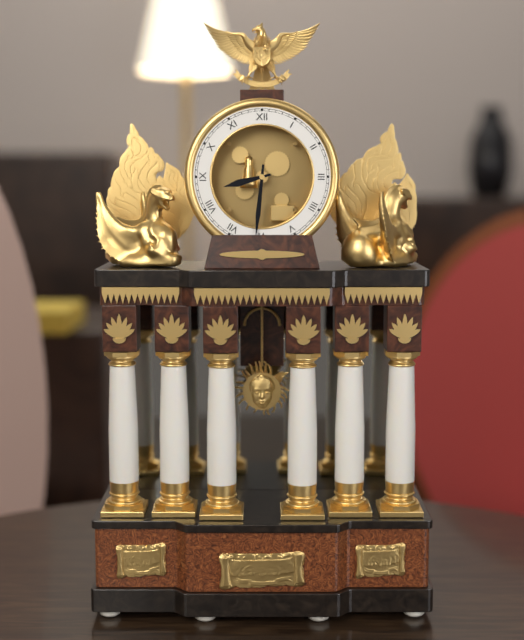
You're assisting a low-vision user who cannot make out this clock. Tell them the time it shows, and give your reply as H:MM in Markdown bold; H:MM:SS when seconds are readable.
**8:31**
